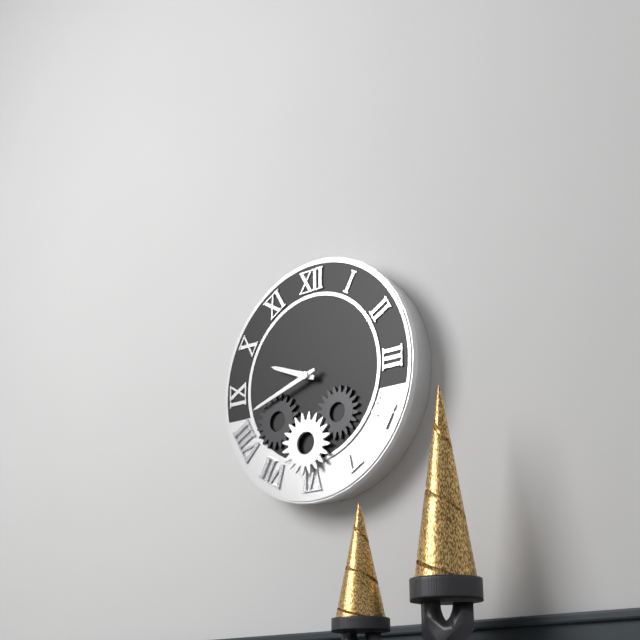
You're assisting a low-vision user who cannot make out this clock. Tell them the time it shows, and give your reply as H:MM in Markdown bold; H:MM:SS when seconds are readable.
**9:42**
